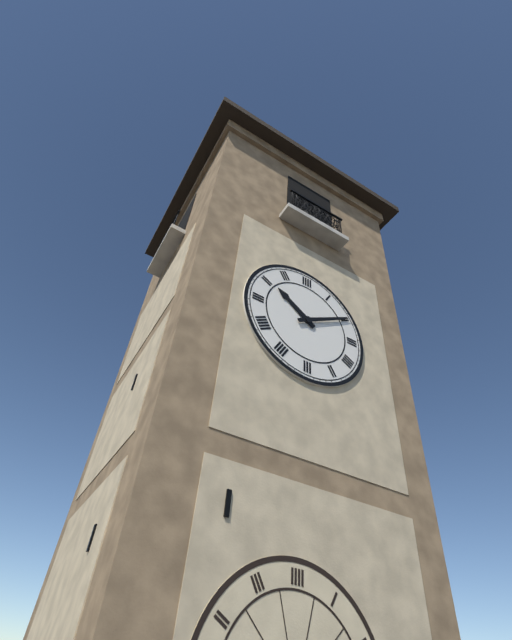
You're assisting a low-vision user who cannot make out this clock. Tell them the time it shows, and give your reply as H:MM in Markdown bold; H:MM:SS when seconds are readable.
**10:10**
